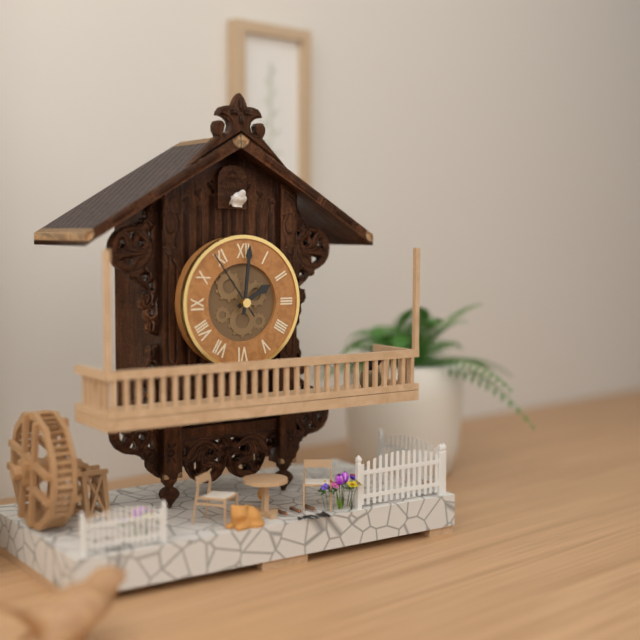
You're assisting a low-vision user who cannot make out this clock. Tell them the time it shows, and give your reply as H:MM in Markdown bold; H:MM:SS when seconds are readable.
**2:01:54**
